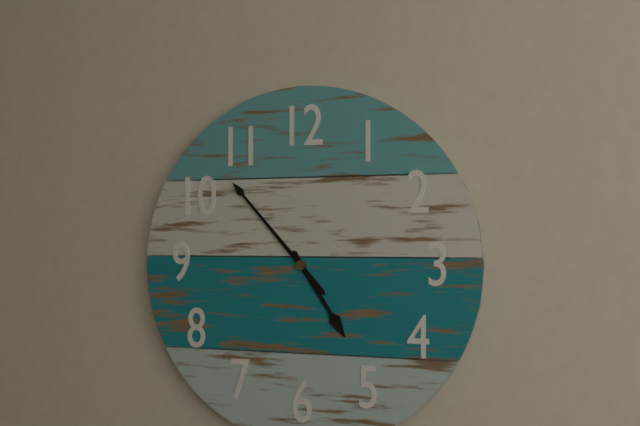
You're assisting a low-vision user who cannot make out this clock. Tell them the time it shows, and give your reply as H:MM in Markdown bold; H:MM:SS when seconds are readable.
**4:53**
